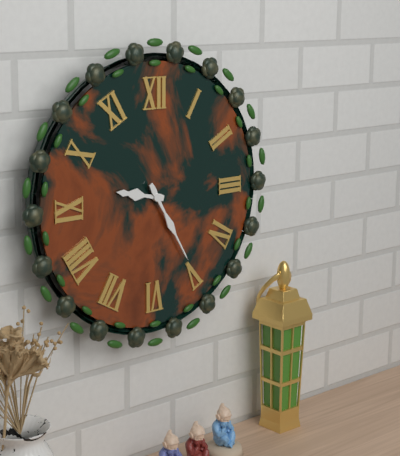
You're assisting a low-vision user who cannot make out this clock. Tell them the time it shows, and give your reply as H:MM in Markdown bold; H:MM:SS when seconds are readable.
**9:25**
